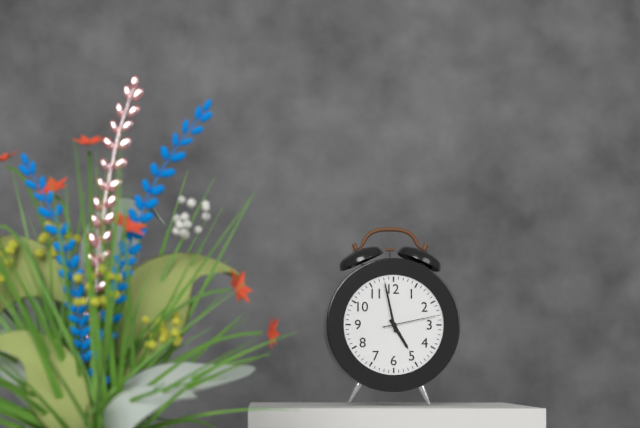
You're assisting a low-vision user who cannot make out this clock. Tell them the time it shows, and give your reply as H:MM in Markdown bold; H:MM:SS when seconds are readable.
**4:58:13**
